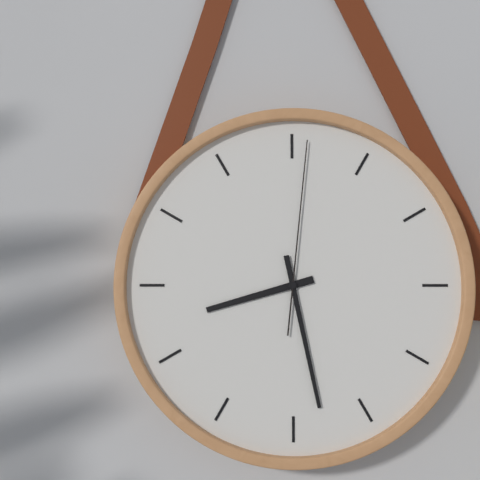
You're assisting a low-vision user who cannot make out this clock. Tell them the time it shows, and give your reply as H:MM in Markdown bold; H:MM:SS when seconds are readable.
**8:28:01**
